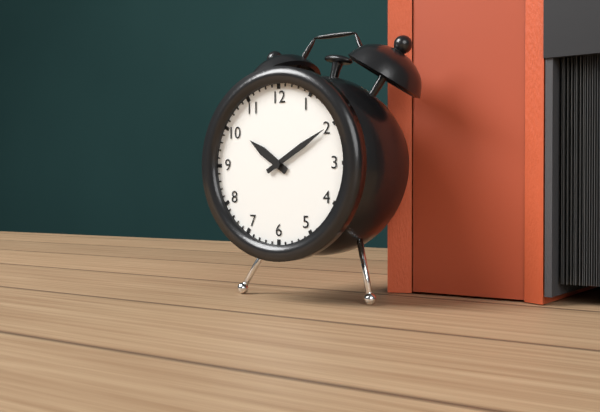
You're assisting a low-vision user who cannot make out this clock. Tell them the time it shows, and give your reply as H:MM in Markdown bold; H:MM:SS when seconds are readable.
**10:10**
